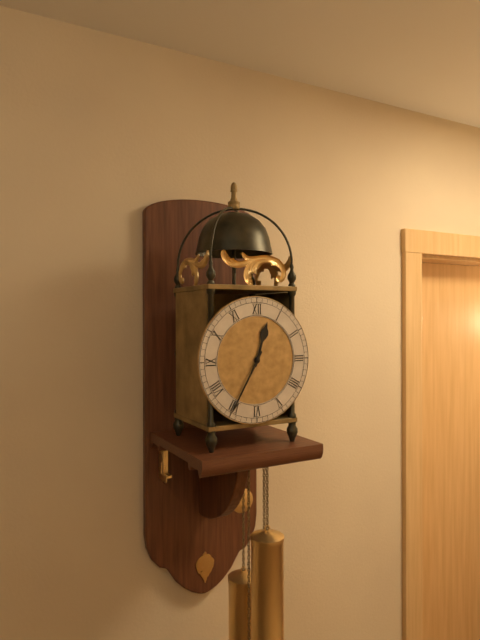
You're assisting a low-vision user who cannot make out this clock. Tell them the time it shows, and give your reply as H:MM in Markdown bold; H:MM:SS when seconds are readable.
**12:35**
